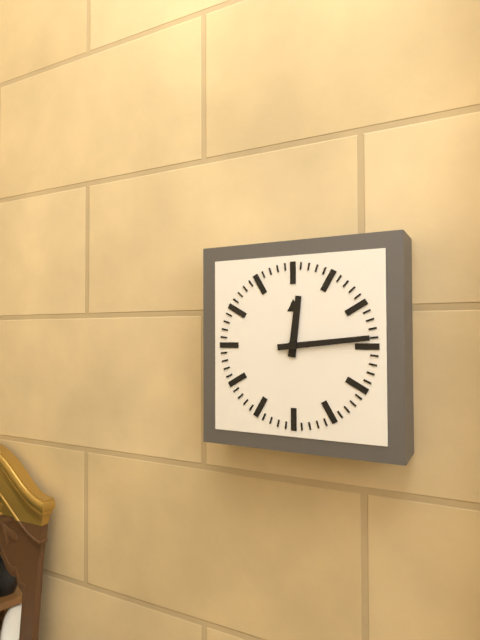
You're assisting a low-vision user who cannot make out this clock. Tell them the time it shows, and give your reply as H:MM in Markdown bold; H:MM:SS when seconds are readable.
**12:14**
